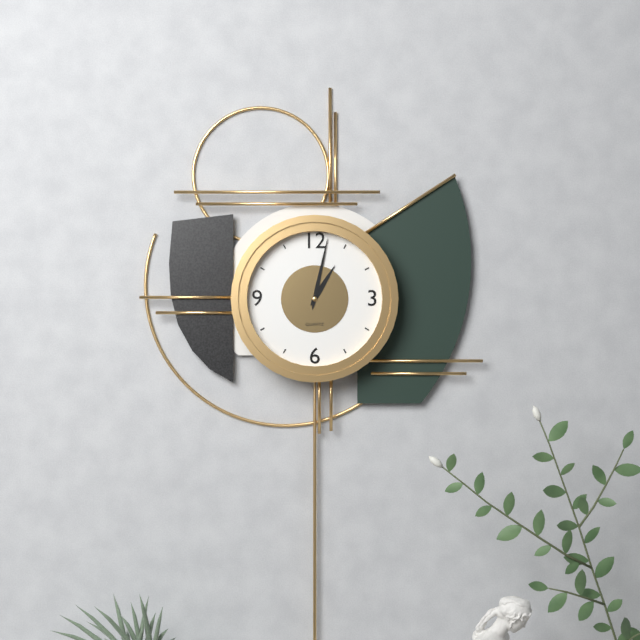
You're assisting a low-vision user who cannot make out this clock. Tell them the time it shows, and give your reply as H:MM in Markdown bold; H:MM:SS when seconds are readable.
**1:02**
